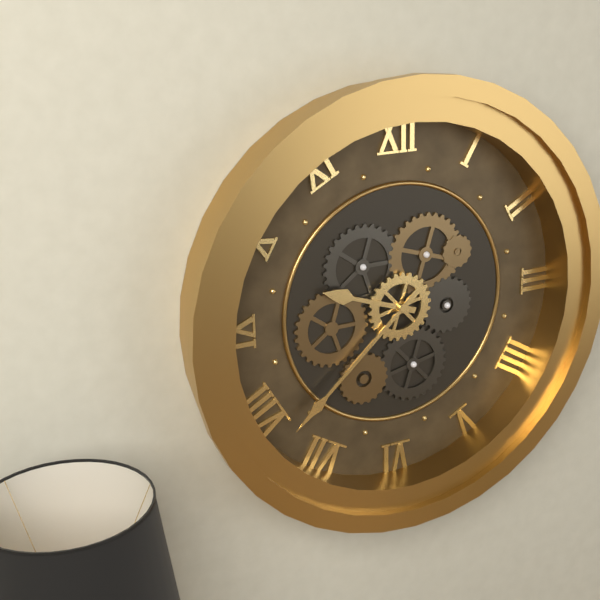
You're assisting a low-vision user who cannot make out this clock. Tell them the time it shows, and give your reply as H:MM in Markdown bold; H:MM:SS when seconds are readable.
**9:38**
